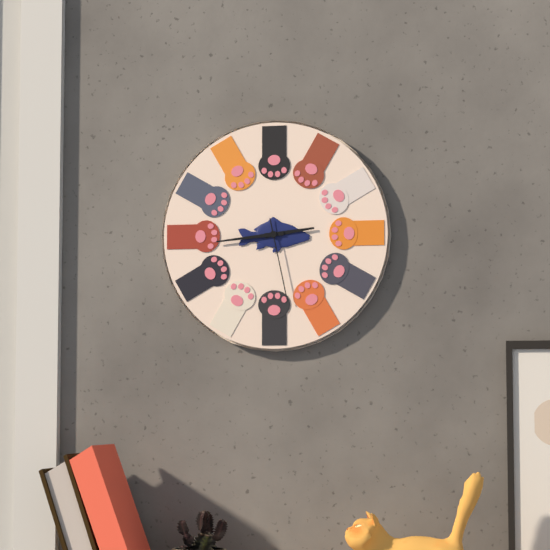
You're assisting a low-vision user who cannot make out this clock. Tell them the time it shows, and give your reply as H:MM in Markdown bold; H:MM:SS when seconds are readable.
**2:44:28**
